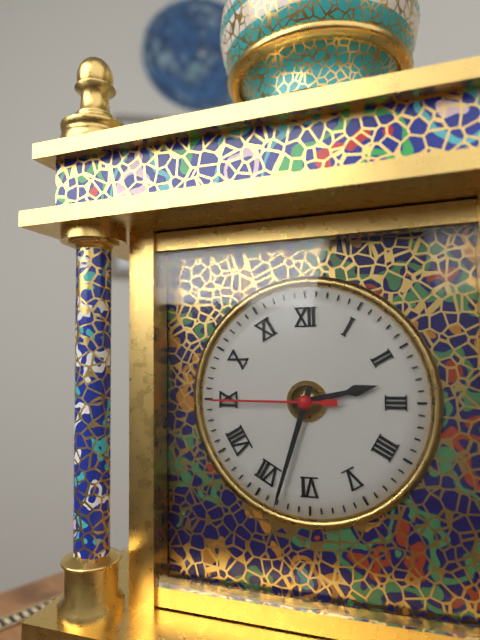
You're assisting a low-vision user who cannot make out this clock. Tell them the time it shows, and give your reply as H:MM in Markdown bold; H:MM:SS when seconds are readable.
**2:33:45**
